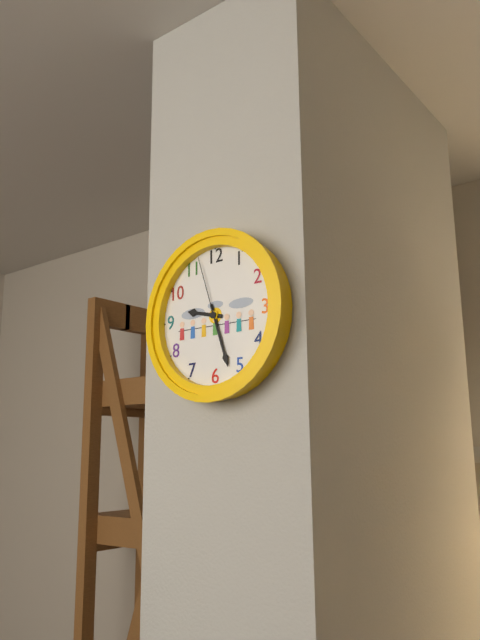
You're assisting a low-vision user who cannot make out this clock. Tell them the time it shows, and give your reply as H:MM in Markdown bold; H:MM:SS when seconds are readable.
**9:27:57**
